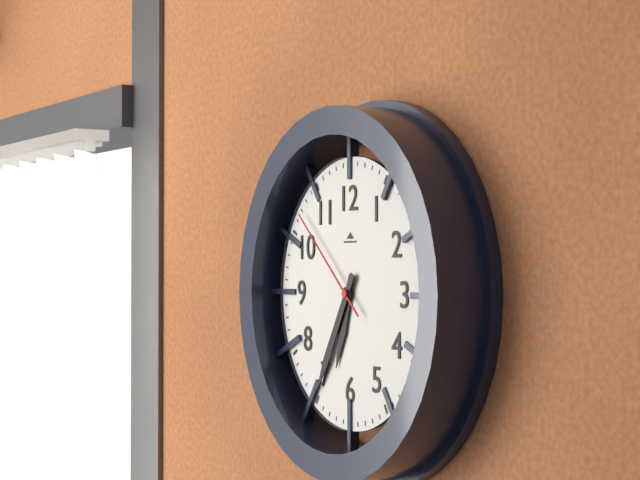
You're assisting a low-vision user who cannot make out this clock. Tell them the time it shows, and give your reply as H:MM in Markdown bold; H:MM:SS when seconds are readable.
**6:35:52**
